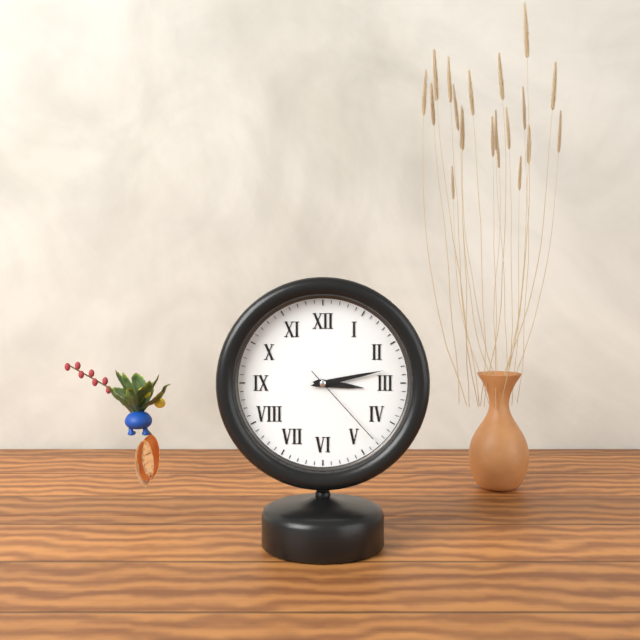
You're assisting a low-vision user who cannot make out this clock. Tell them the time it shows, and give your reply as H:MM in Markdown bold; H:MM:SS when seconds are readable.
**3:13:23**
